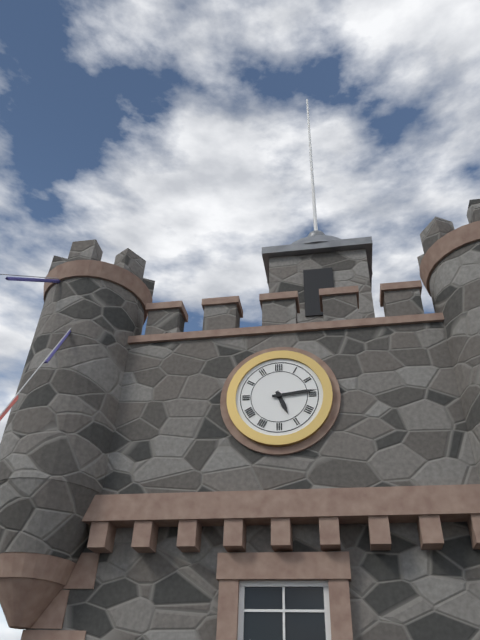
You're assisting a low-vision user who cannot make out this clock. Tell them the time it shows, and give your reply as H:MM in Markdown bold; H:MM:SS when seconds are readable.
**5:14**
